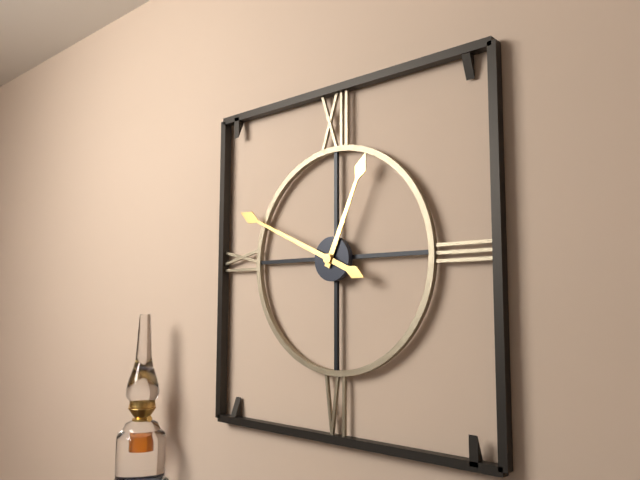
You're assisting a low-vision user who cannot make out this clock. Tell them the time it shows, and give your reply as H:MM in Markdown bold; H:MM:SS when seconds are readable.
**12:49**
